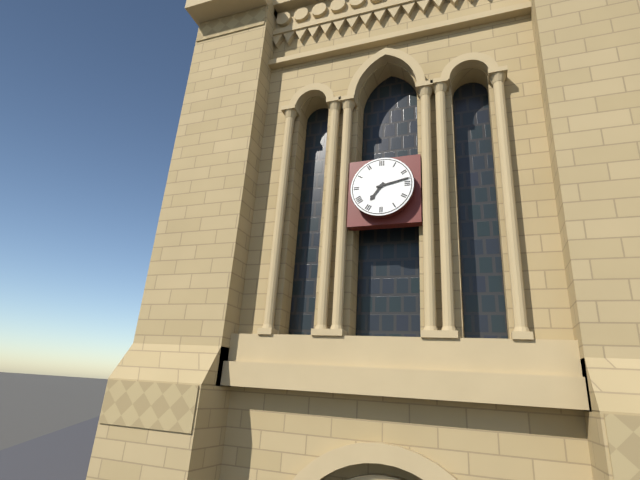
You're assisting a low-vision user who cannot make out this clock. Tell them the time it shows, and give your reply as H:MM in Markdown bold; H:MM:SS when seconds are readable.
**7:13**
